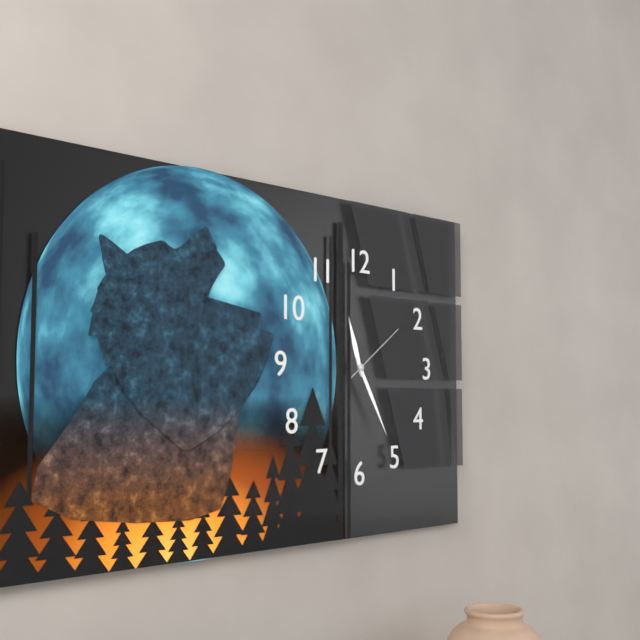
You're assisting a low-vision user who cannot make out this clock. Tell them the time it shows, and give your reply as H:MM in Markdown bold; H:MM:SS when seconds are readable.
**11:25:09**
